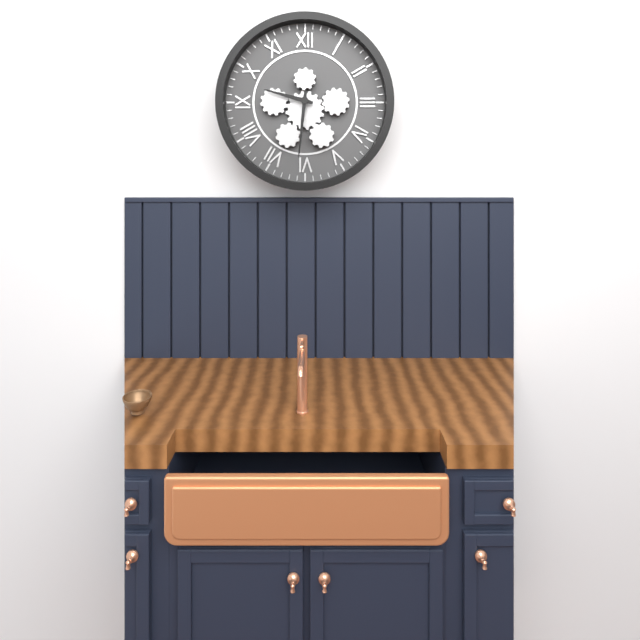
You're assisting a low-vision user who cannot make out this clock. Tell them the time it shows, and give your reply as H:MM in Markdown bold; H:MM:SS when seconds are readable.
**9:31**
